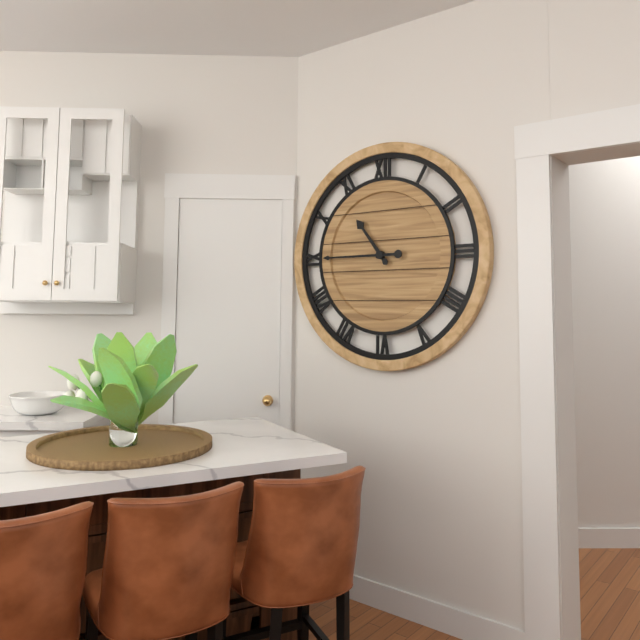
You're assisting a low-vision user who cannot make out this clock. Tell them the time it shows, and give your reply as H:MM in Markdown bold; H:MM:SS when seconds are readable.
**10:45**
